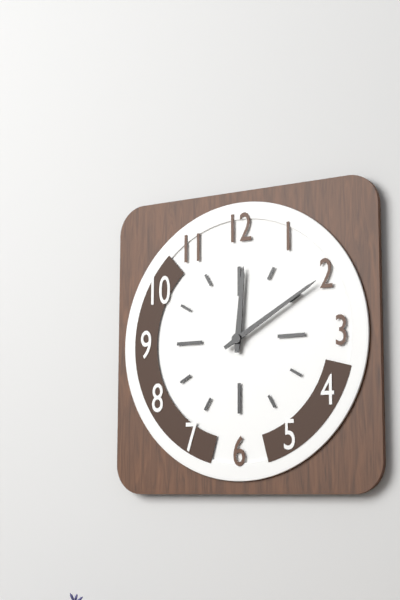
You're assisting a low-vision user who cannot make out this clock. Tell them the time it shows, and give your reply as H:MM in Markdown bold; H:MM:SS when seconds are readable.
**12:10**
